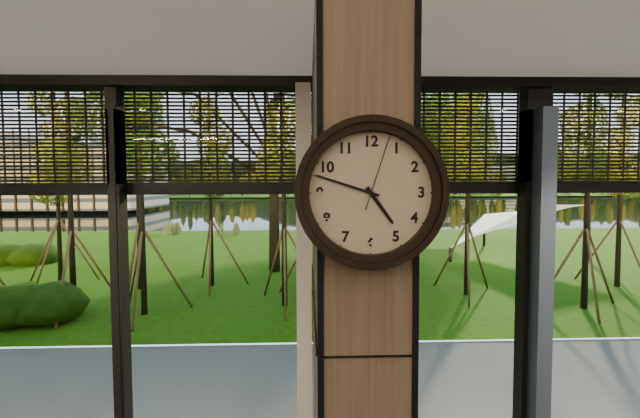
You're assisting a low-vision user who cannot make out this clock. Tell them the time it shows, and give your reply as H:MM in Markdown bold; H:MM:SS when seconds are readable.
**4:48:03**
